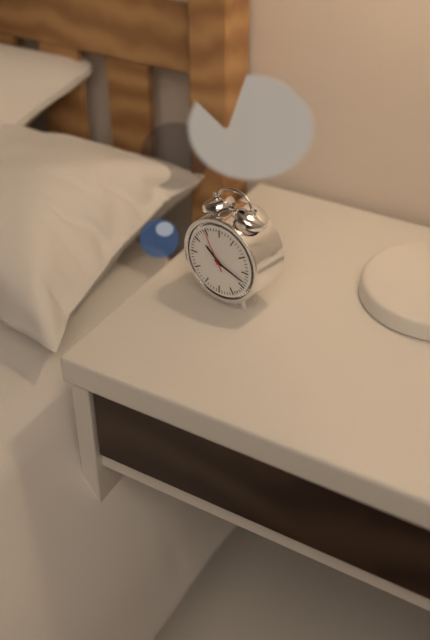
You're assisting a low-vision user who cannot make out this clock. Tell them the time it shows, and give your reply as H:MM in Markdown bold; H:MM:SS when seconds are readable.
**10:18**
